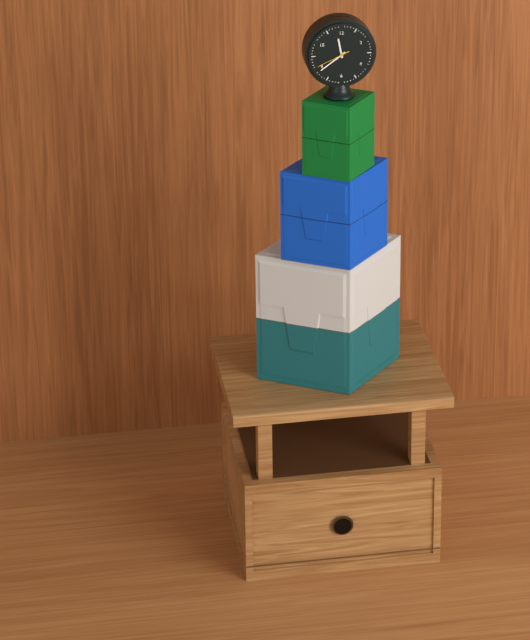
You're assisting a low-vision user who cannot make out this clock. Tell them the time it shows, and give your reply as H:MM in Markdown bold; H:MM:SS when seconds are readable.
**11:39**
